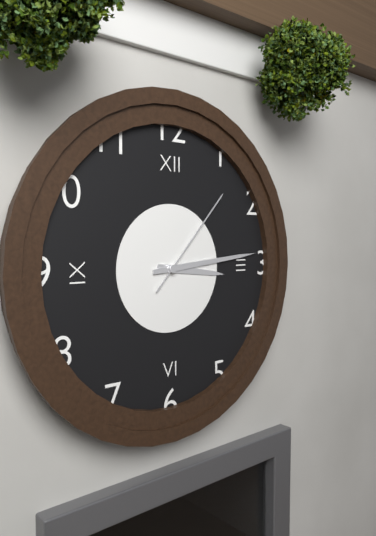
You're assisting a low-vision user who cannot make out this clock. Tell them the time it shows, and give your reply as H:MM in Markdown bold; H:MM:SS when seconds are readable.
**3:14:07**
